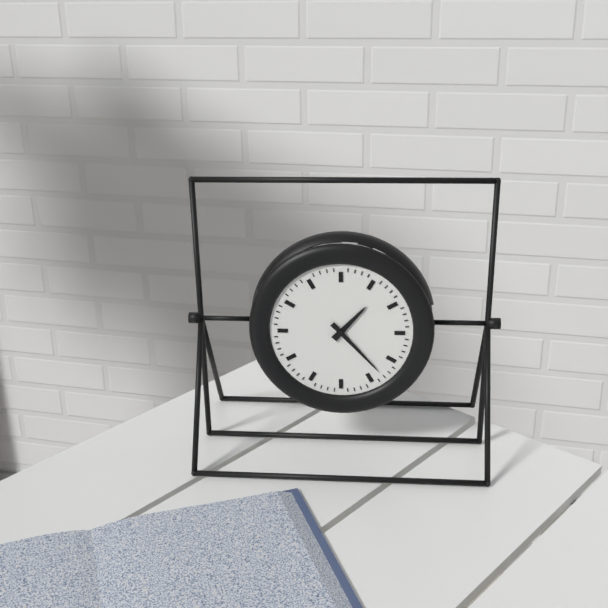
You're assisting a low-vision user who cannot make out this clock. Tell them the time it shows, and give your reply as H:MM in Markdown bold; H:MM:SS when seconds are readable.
**1:23**
